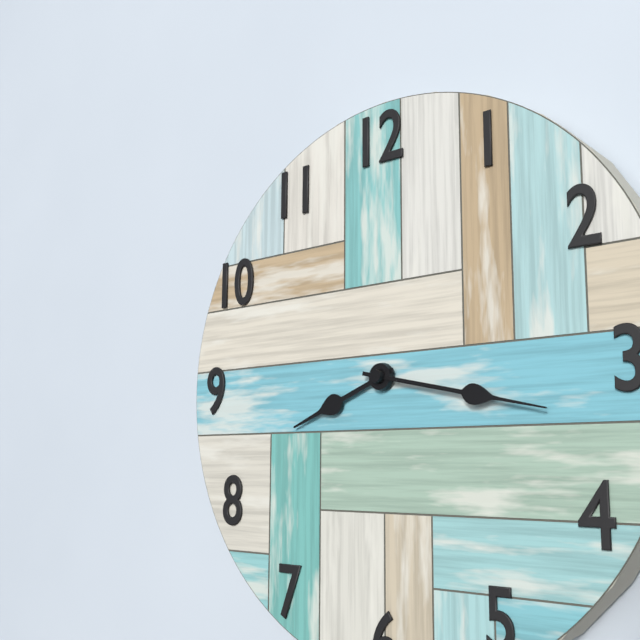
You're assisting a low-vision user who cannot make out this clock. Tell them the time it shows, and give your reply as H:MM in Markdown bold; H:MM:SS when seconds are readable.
**8:17**
